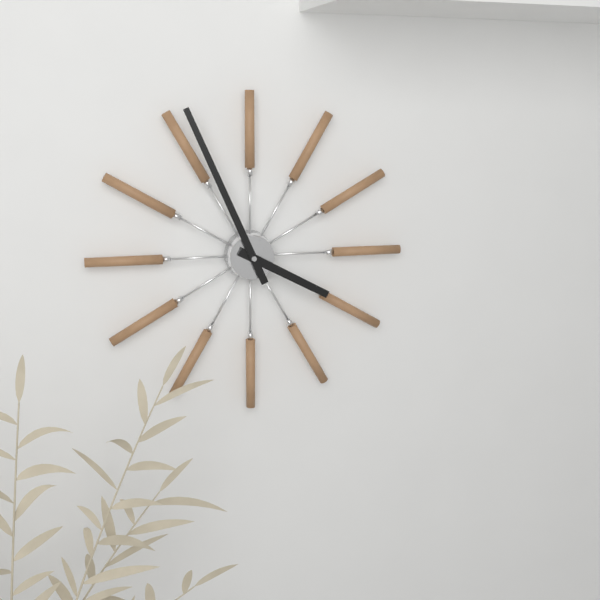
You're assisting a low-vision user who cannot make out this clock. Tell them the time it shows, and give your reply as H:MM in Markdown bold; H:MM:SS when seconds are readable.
**3:56**
